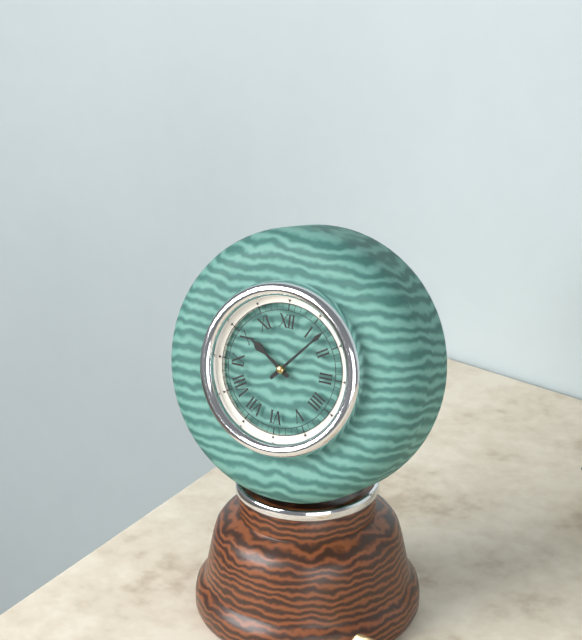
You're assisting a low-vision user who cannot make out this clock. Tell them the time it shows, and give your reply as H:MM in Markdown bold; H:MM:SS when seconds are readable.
**10:07**
